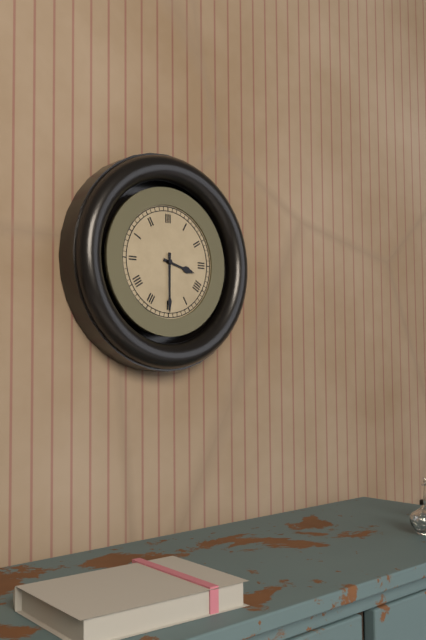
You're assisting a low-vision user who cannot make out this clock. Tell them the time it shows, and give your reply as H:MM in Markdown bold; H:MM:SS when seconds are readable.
**3:30**
